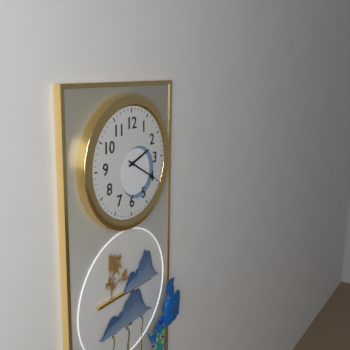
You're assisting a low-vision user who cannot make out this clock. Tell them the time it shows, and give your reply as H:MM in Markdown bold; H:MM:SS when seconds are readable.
**2:20**
